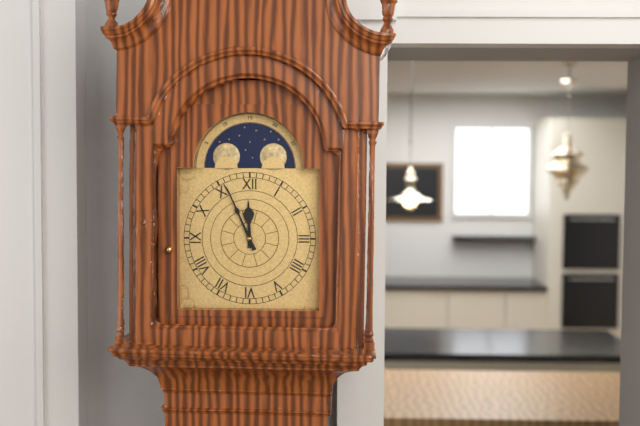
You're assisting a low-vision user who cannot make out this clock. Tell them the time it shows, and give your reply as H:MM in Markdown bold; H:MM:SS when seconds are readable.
**11:56**
